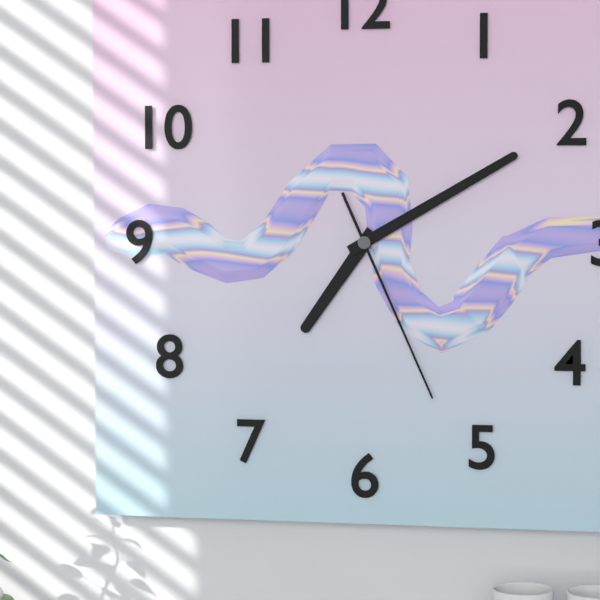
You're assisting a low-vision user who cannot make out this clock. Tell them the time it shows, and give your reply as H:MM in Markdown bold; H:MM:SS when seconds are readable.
**7:10:26**
